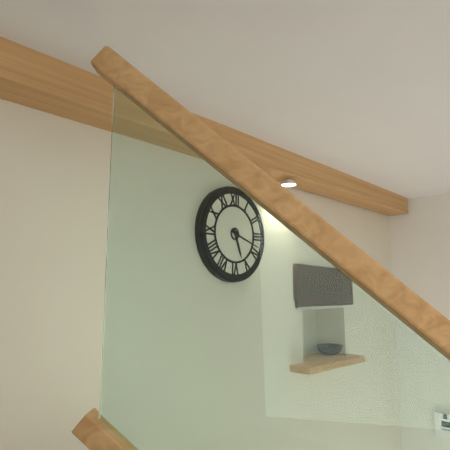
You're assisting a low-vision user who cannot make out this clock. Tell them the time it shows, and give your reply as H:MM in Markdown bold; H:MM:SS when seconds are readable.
**5:18**
